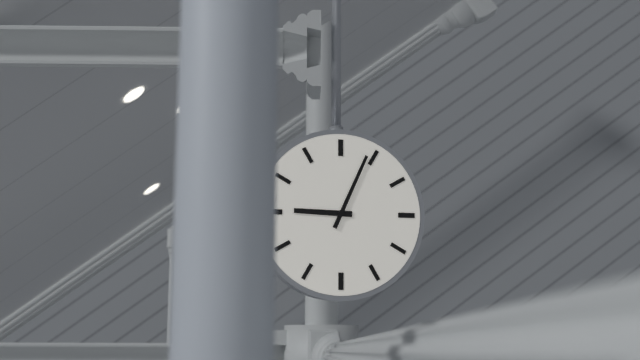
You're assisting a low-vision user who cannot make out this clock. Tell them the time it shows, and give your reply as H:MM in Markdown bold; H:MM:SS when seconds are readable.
**9:04**
